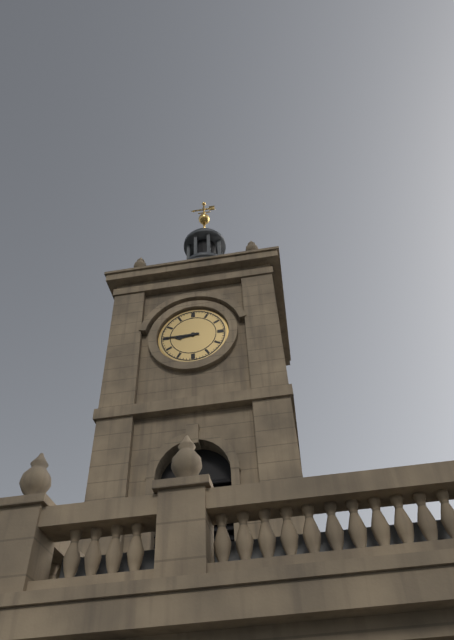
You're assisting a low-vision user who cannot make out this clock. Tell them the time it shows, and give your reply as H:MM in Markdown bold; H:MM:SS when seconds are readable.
**8:45**
